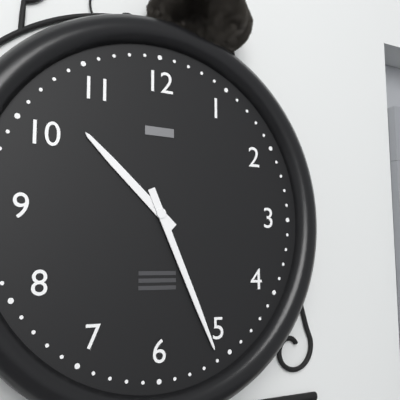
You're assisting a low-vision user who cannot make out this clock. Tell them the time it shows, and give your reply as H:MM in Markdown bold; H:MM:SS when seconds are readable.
**10:26**
